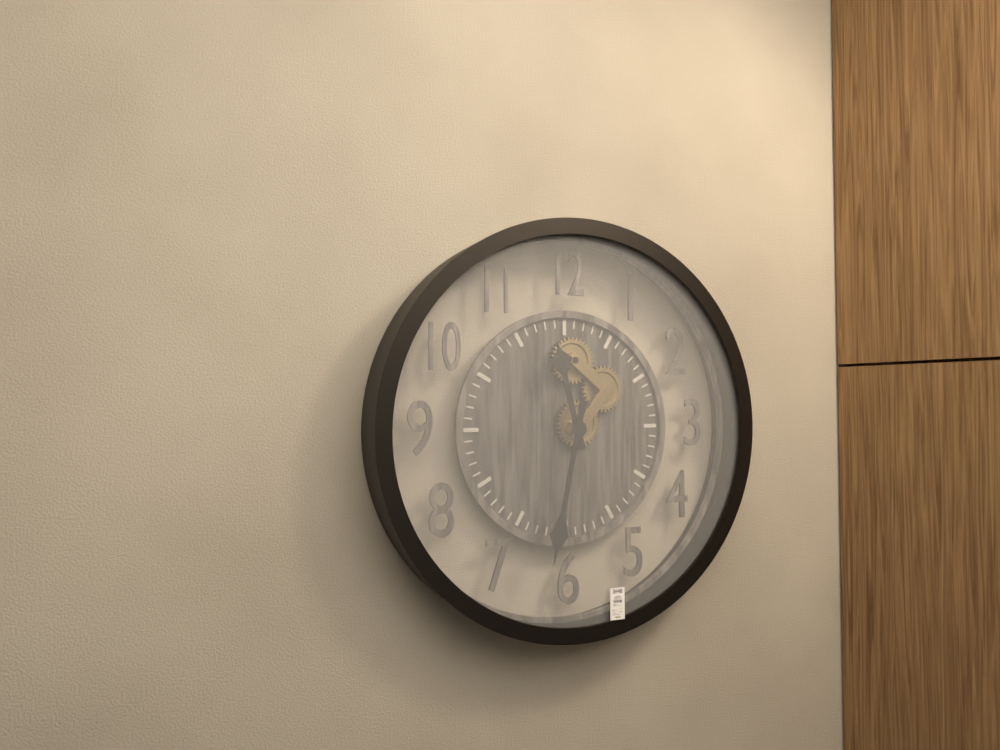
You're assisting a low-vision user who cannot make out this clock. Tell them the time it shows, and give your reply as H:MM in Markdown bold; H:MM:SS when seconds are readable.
**11:32**
